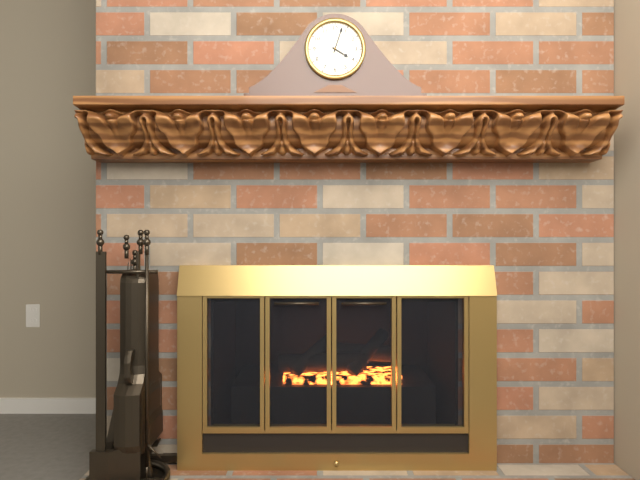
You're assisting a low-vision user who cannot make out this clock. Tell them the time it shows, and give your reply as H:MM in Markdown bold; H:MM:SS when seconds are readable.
**4:03**
